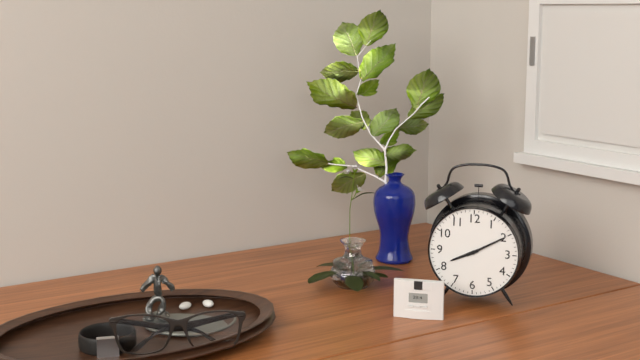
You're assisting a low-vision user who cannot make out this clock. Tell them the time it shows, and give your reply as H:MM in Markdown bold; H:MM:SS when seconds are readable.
**8:10**
